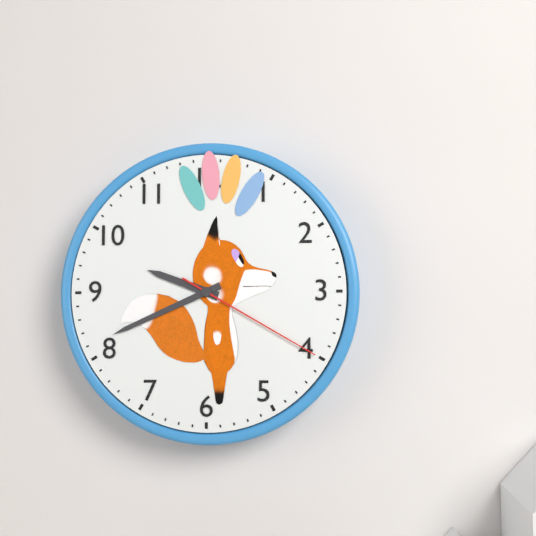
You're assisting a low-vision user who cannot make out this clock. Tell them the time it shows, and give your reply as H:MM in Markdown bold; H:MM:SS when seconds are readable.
**9:41:20**
